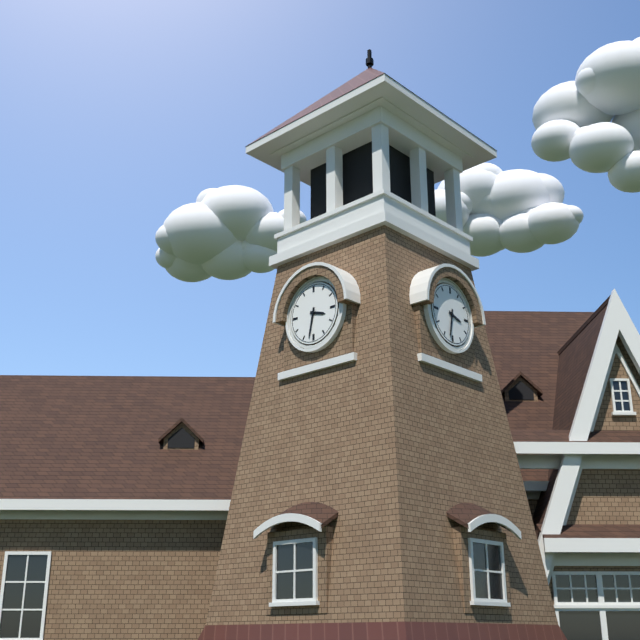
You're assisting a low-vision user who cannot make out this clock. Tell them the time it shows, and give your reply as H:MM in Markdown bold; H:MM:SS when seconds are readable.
**3:32**
